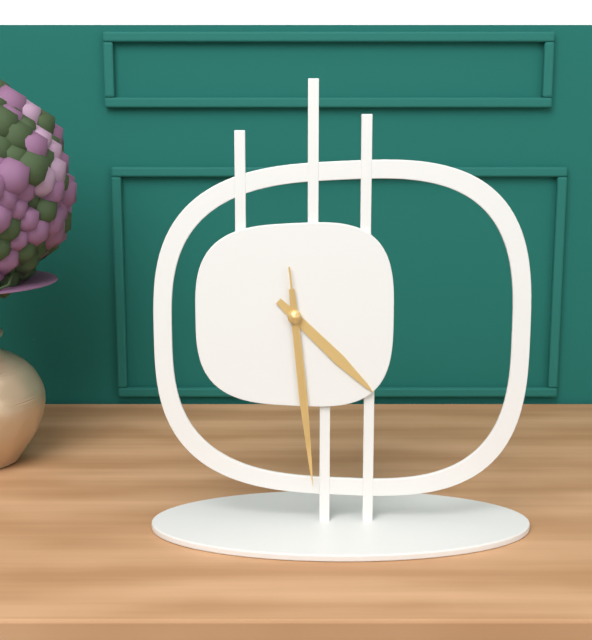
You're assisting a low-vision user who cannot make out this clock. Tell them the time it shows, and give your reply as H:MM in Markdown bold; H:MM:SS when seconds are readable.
**4:29:29**
